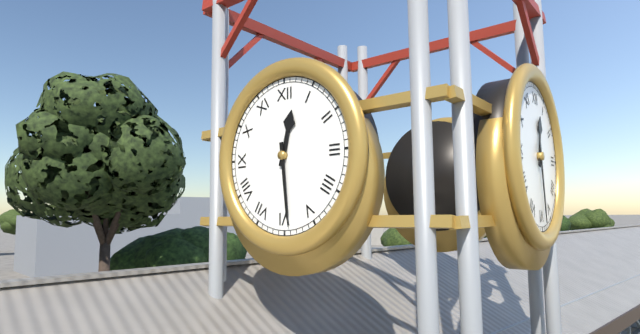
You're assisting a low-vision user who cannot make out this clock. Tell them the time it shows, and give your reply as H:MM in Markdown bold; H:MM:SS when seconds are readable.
**12:29**
